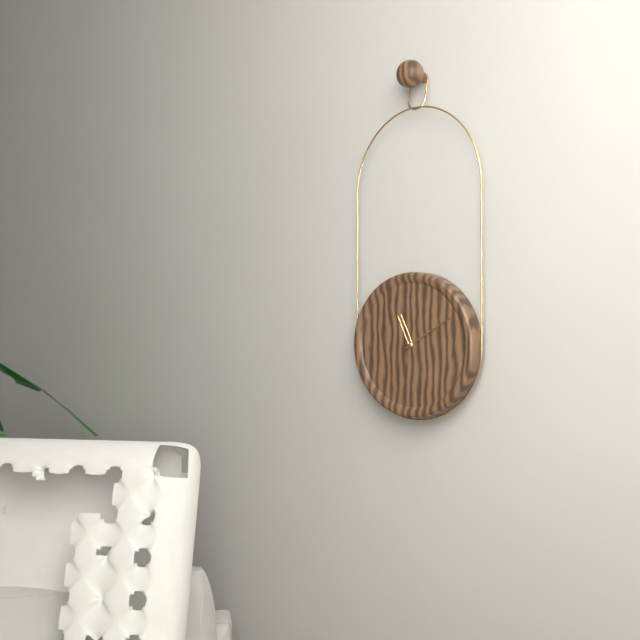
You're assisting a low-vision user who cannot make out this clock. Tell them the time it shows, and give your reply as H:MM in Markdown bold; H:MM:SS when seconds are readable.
**11:10**
